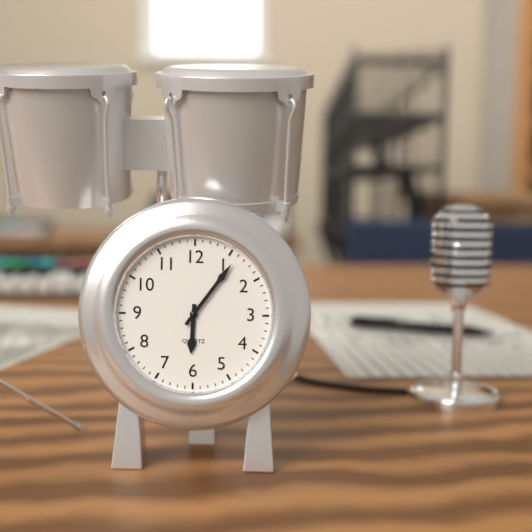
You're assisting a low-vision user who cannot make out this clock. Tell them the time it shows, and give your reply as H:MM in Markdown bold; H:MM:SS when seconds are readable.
**6:06**
